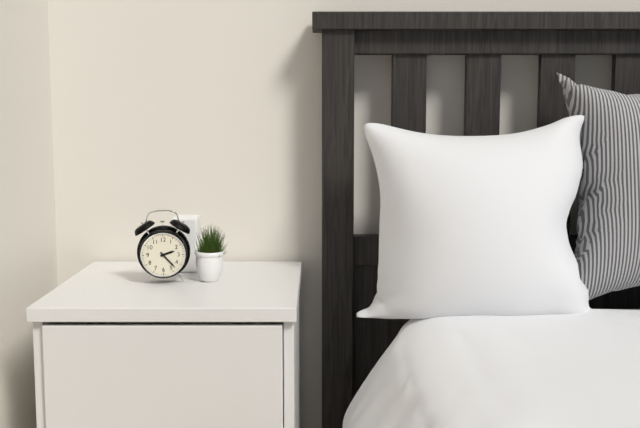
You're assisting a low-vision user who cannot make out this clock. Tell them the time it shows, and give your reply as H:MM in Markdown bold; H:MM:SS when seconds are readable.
**2:23**
